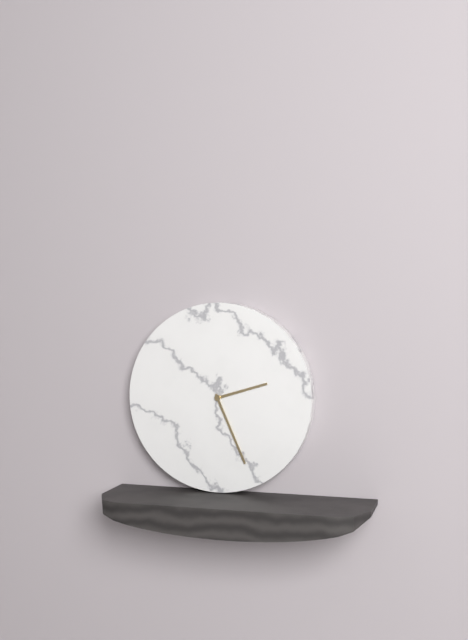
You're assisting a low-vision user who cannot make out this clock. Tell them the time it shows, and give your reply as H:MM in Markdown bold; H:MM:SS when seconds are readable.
**2:26**
